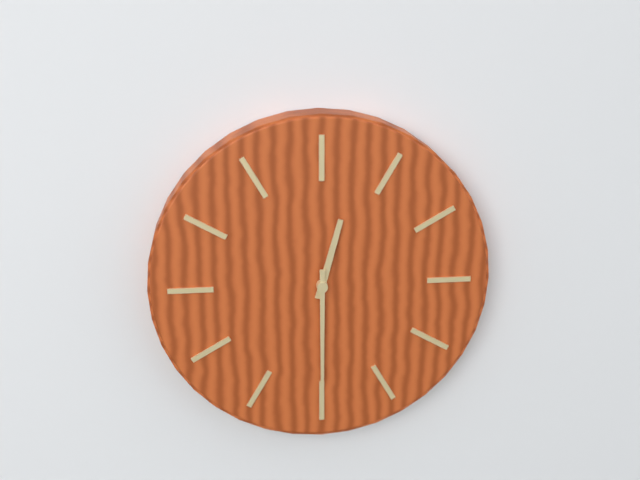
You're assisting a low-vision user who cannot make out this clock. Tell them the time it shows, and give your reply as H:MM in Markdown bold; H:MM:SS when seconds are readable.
**12:30**
